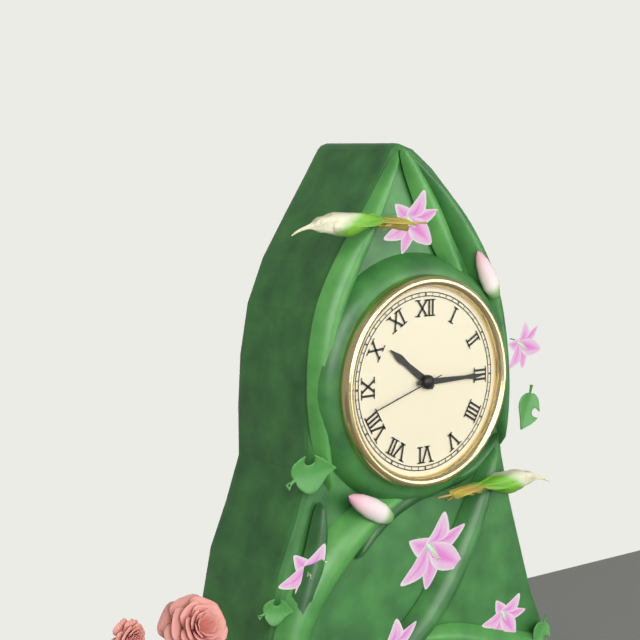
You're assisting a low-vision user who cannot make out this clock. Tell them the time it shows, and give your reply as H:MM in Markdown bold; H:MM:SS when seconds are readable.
**10:15:42**
